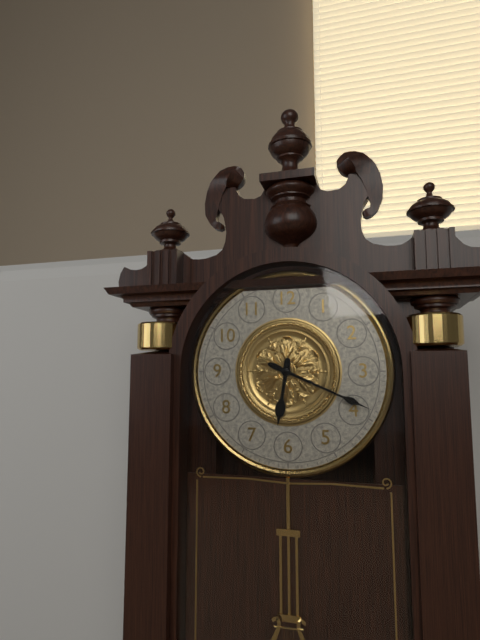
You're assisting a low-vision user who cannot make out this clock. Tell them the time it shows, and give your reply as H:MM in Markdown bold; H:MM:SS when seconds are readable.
**6:19**
